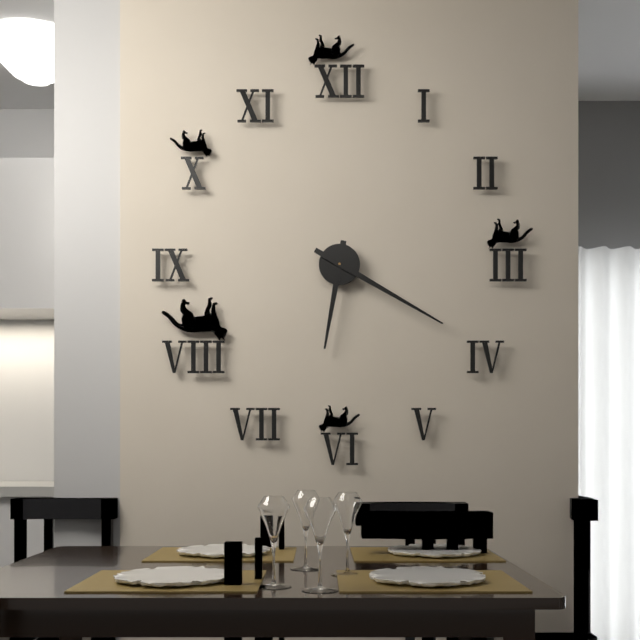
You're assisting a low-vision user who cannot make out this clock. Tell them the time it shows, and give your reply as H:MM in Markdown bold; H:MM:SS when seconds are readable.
**6:20**
